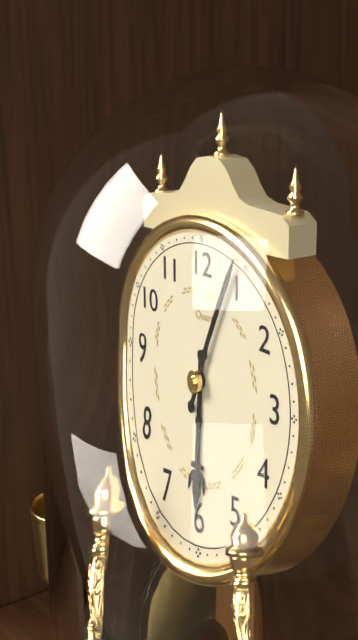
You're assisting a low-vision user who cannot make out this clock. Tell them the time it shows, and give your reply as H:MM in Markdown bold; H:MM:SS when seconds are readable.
**6:04**
